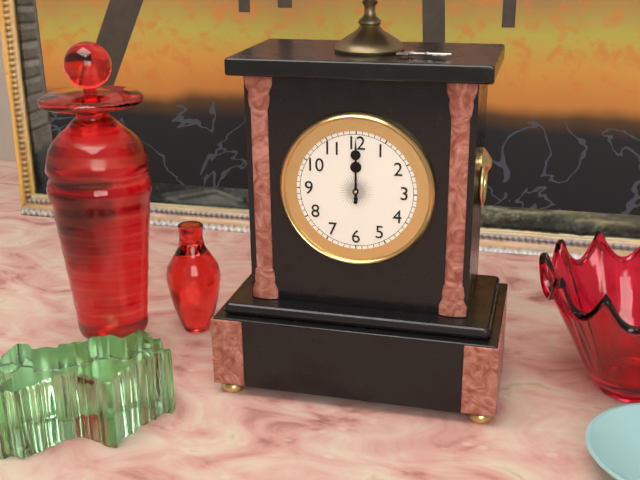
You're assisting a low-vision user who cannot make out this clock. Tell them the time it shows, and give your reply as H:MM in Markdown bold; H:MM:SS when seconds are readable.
**12:00**
